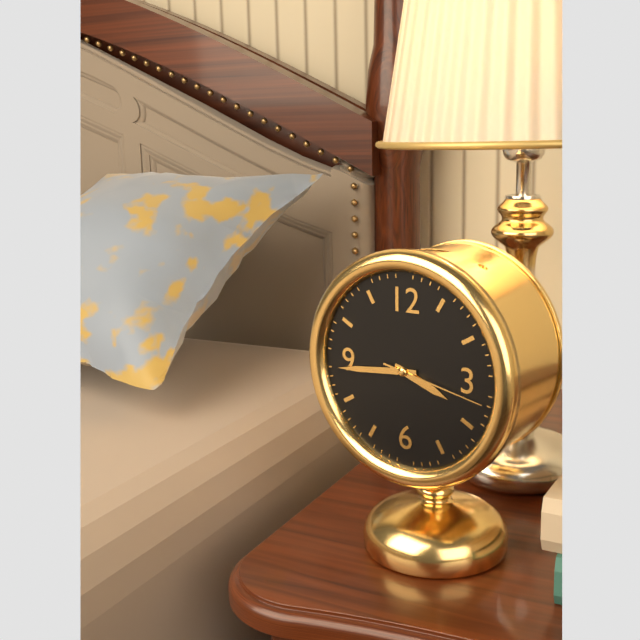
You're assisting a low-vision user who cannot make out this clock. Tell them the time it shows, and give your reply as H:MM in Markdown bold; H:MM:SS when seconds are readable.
**3:44:17**
